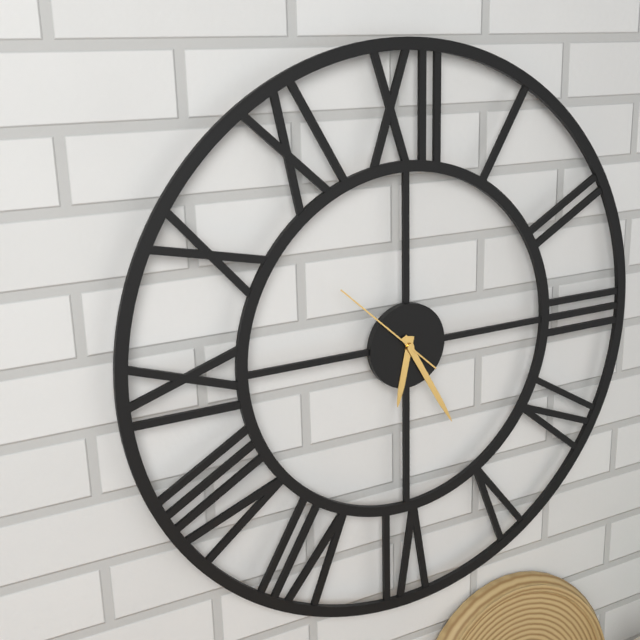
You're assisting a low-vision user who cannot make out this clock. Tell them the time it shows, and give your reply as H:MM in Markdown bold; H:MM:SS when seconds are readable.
**6:25:52**
